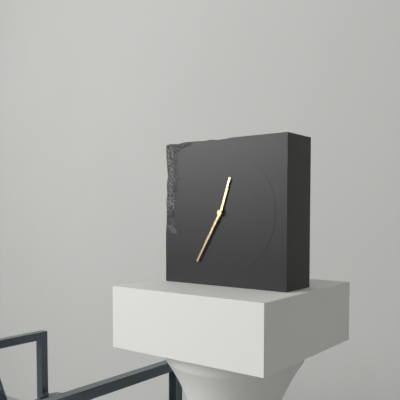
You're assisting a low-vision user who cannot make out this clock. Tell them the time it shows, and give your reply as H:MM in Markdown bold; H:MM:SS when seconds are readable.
**12:35**
